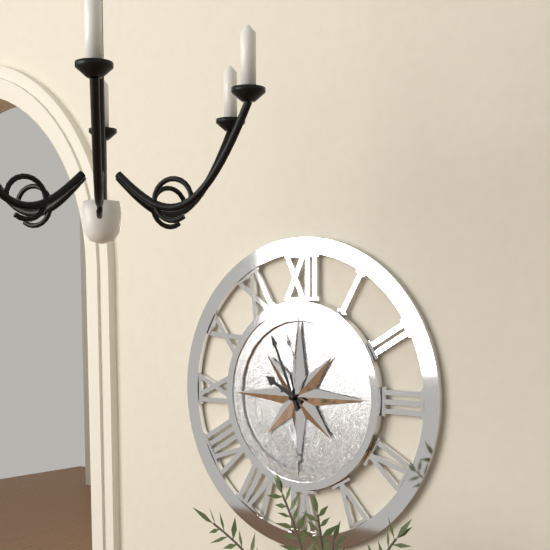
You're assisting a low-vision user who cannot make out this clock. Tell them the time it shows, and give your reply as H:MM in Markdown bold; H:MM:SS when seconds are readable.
**9:56**
